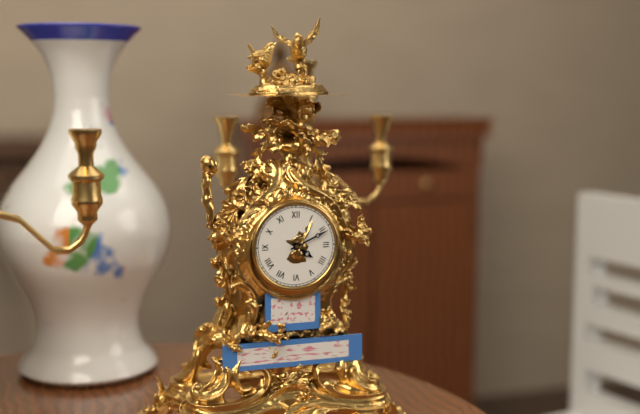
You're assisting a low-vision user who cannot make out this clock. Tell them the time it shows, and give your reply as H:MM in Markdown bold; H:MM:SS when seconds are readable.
**4:11**
